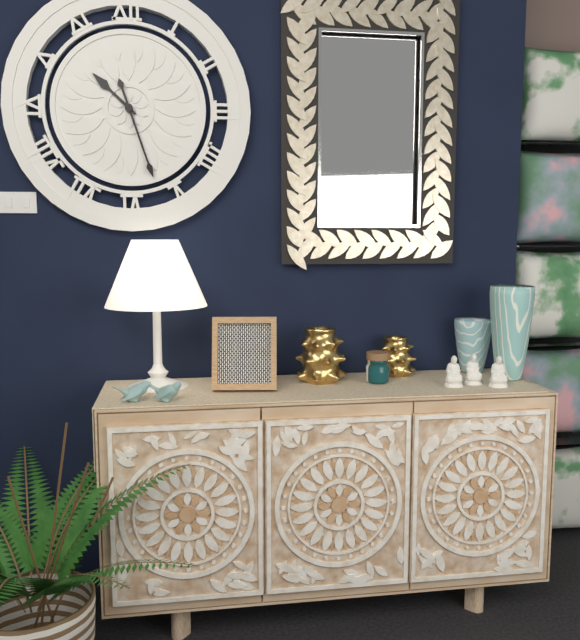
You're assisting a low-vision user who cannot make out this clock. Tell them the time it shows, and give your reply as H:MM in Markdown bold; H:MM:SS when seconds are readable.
**10:27**
